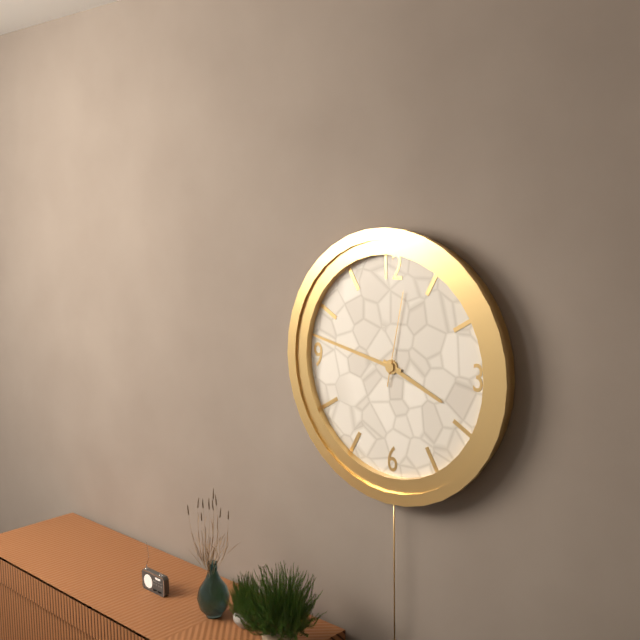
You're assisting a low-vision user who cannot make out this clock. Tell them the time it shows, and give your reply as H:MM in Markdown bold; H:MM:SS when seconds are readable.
**3:47:02**
